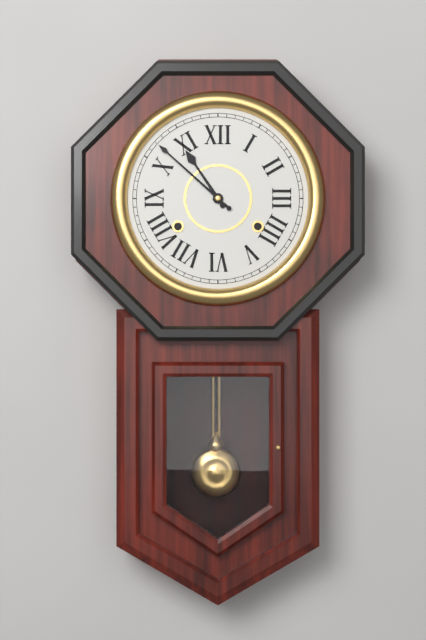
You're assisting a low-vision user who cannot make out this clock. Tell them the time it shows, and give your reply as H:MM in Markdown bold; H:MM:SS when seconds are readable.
**10:52**
